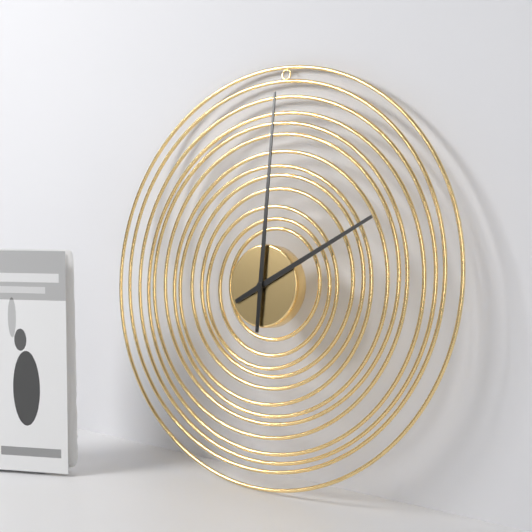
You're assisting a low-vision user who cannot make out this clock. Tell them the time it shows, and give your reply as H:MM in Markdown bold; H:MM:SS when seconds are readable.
**2:00**
